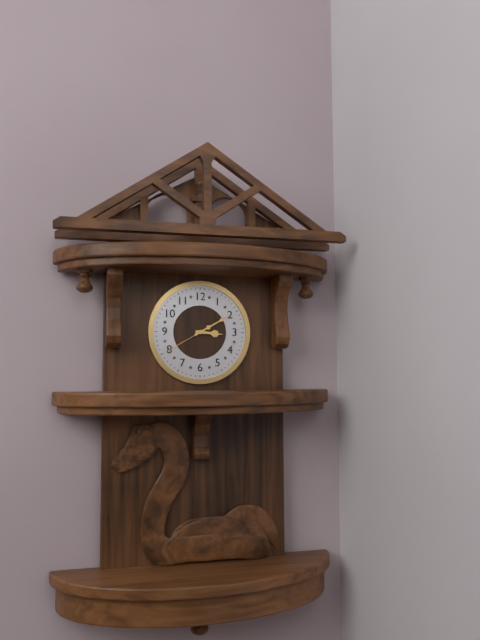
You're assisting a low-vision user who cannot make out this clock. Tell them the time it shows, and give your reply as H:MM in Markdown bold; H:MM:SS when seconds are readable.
**3:10**
